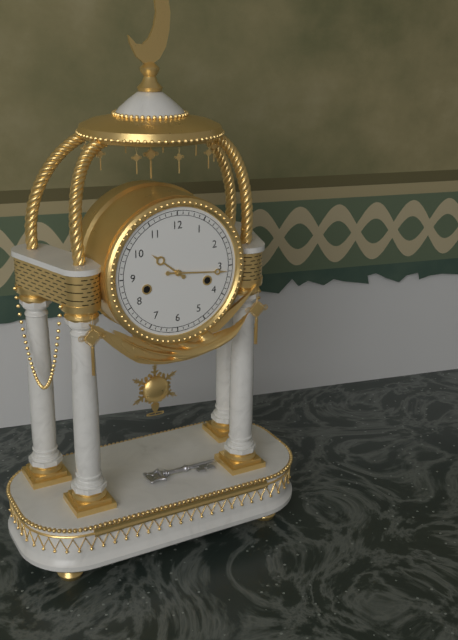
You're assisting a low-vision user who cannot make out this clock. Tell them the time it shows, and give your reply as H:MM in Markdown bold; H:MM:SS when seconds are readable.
**10:16**
